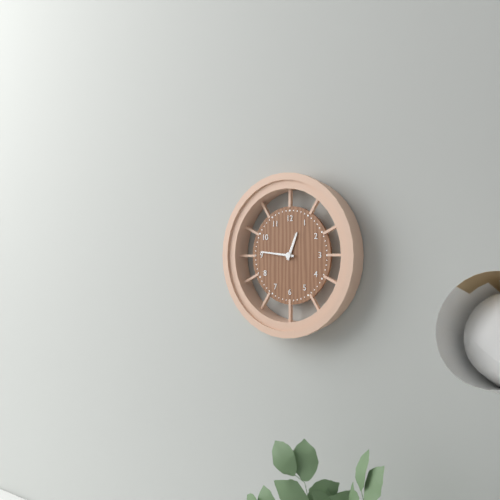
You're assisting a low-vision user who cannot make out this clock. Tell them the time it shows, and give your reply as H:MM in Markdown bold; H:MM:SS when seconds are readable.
**12:46**
